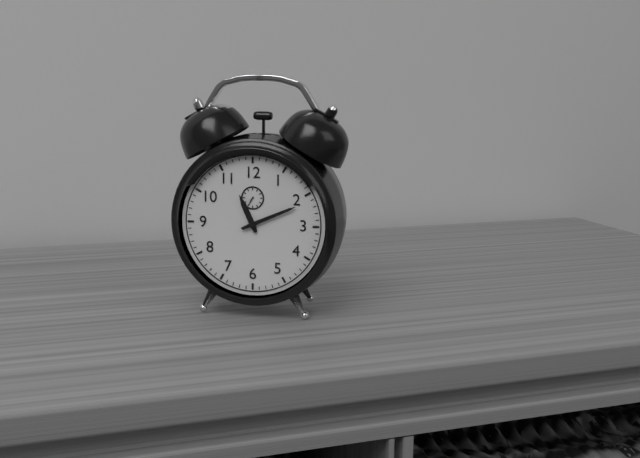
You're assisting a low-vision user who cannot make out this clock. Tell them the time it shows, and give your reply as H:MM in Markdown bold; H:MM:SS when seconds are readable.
**11:11**
